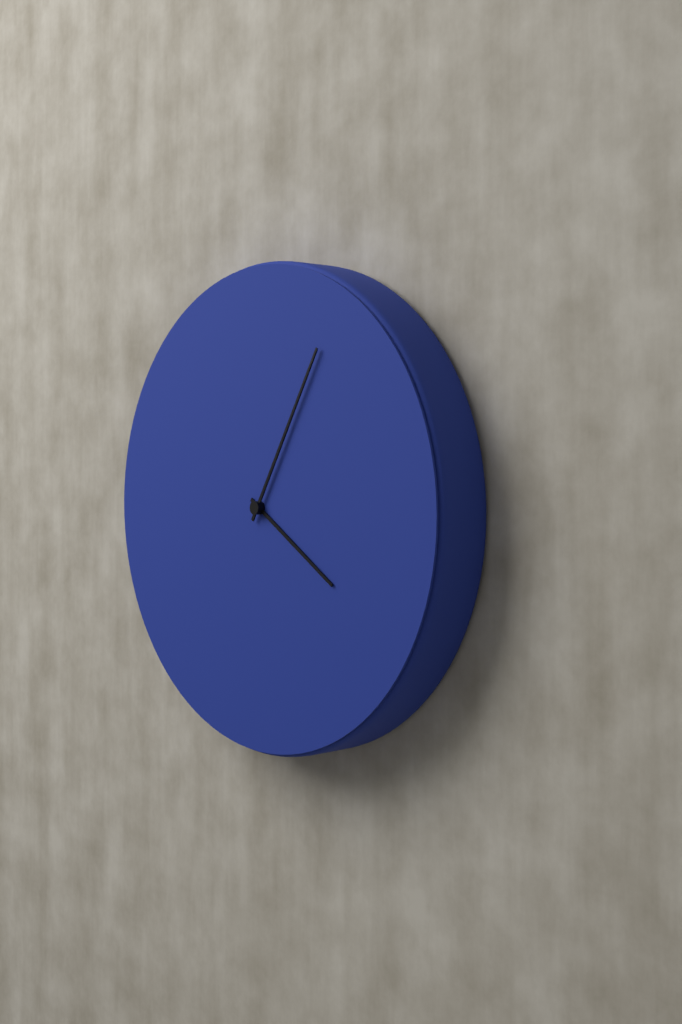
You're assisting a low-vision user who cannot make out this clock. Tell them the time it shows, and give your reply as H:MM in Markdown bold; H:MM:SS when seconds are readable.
**4:05**
